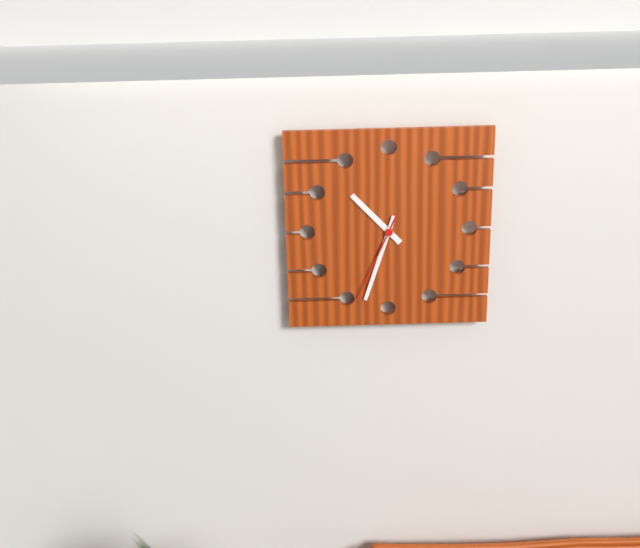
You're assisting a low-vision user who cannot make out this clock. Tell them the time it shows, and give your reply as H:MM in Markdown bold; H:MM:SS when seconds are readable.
**10:33:34**
